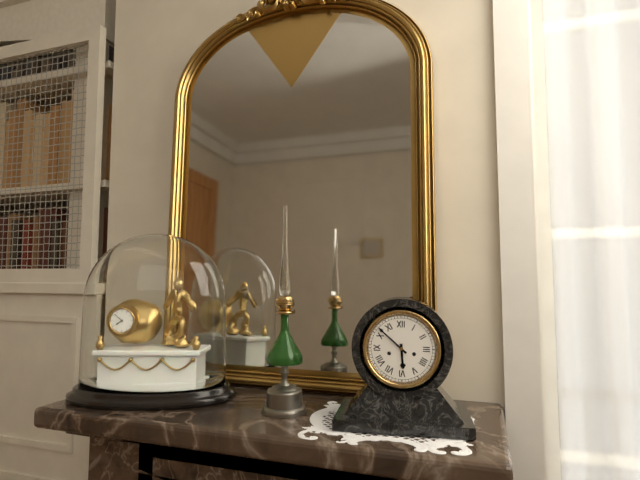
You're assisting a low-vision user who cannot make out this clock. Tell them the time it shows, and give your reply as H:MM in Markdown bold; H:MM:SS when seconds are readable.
**5:52**
